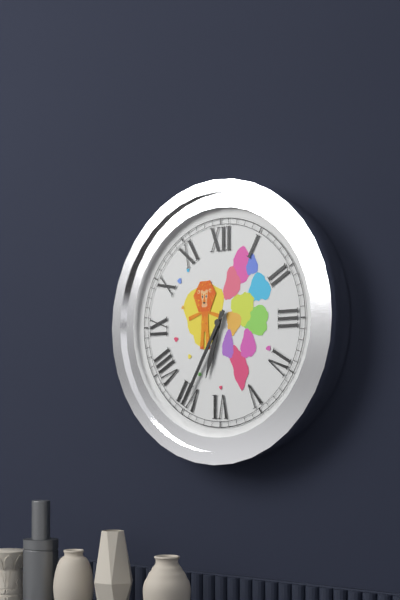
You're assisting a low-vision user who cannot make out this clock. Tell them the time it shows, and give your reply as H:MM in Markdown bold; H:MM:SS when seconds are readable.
**6:35**
